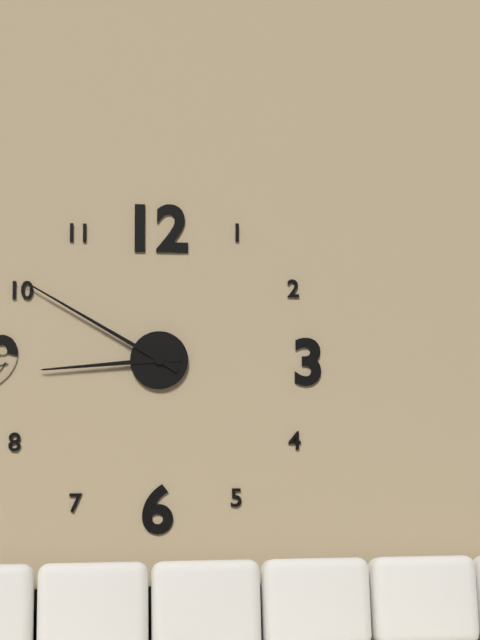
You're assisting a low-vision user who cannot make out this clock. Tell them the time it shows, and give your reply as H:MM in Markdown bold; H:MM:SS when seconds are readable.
**8:50**
